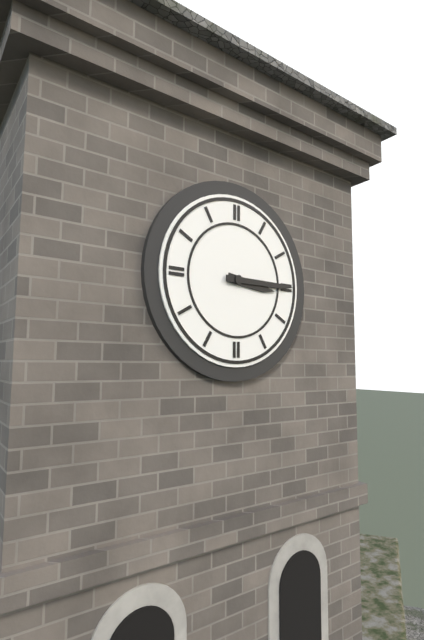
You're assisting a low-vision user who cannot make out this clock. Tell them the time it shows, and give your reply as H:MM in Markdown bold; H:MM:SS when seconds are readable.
**3:15**
